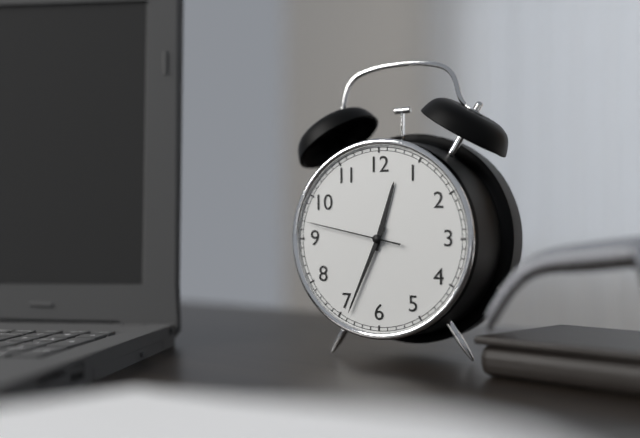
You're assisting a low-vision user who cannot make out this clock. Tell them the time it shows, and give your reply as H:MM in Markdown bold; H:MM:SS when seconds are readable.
**12:34:47**
